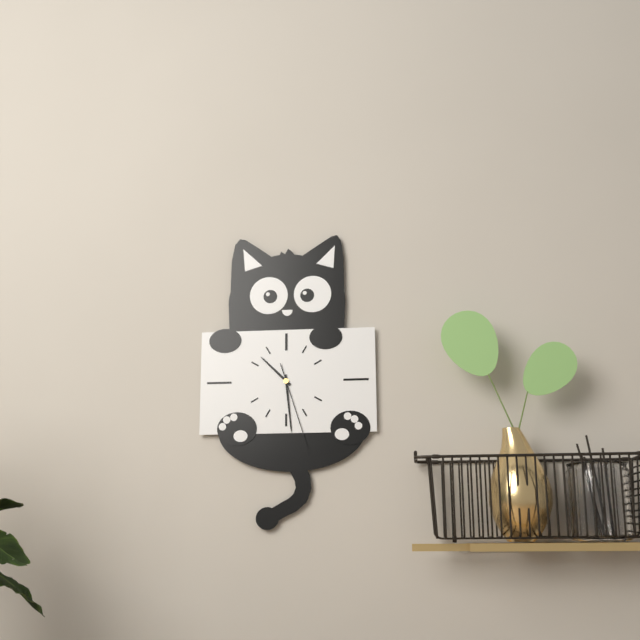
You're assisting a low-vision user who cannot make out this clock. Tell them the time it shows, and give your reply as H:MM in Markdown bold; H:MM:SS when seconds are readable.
**10:29:27**
